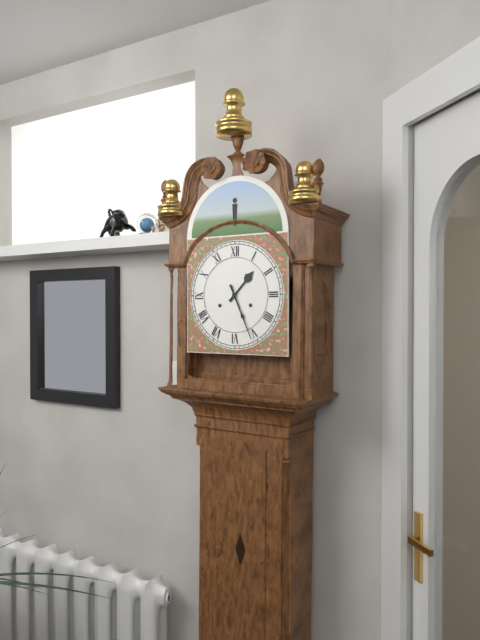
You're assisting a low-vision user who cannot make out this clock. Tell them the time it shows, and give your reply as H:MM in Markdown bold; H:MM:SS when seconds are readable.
**1:26**
